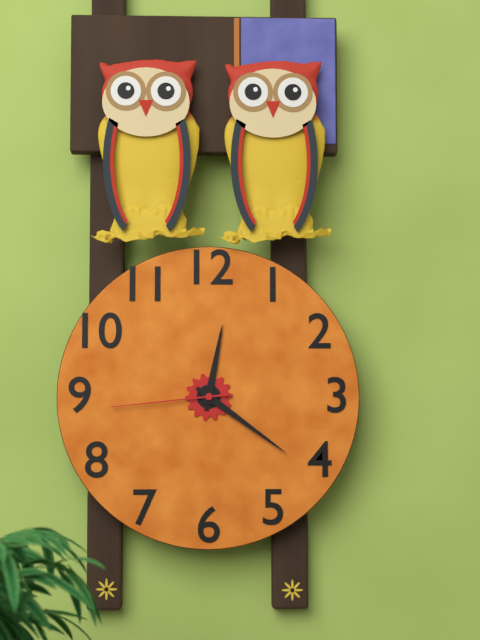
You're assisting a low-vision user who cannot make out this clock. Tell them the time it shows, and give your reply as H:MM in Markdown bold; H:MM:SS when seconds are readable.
**12:21:44**
